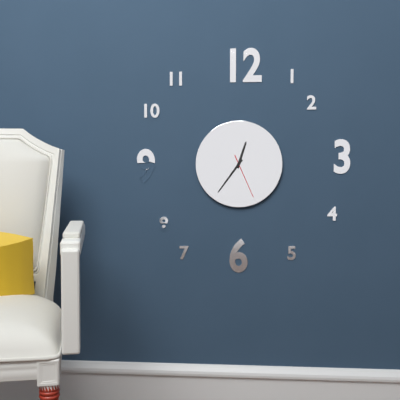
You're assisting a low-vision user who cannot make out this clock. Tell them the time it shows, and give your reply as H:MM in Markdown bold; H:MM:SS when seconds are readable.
**12:36**
